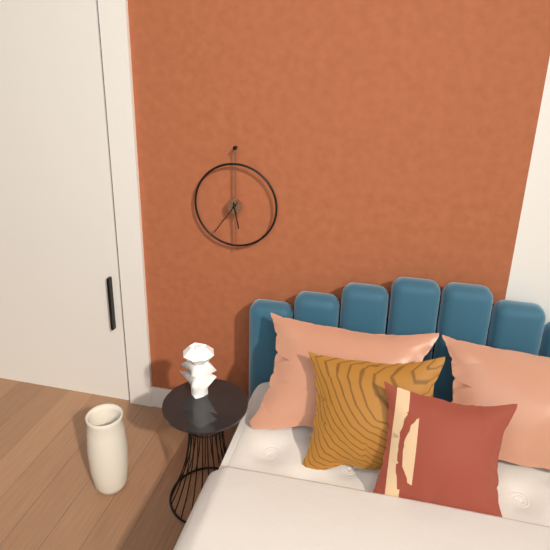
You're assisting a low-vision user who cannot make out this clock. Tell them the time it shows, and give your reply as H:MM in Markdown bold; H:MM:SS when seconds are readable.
**5:36**
